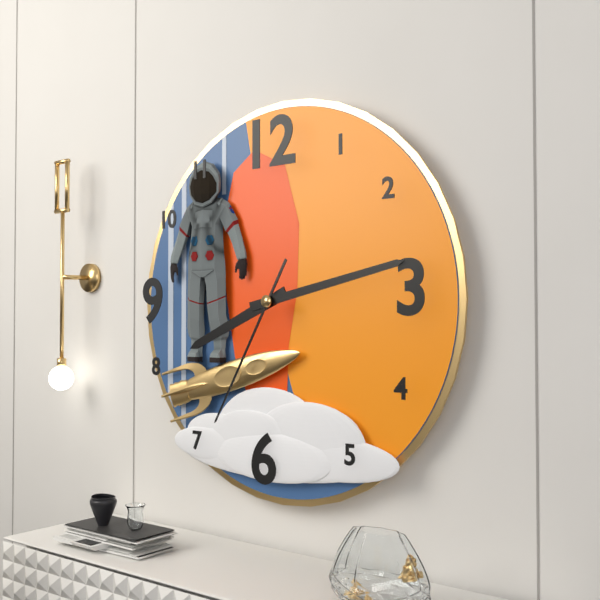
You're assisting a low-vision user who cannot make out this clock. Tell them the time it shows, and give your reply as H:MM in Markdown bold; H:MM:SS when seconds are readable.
**8:13:35**
